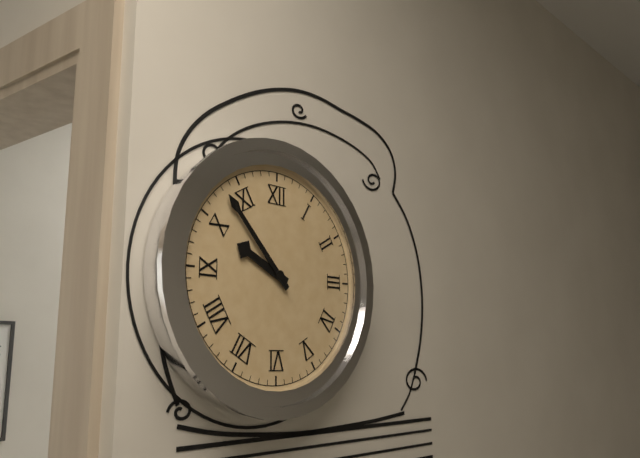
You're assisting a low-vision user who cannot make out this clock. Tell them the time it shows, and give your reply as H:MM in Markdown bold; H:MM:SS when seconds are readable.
**9:53**
